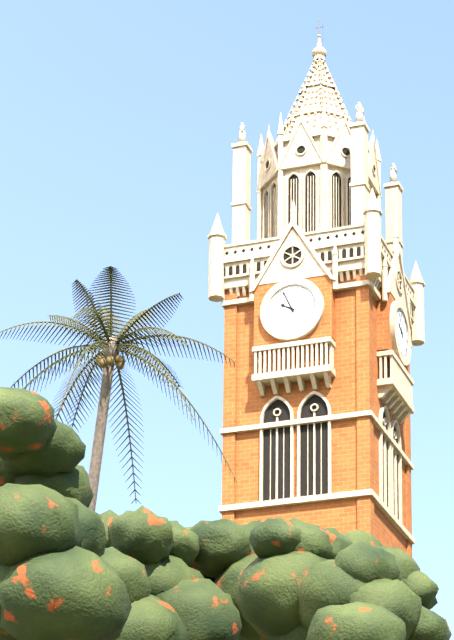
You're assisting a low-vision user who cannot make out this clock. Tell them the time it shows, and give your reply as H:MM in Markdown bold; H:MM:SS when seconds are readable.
**9:56**
